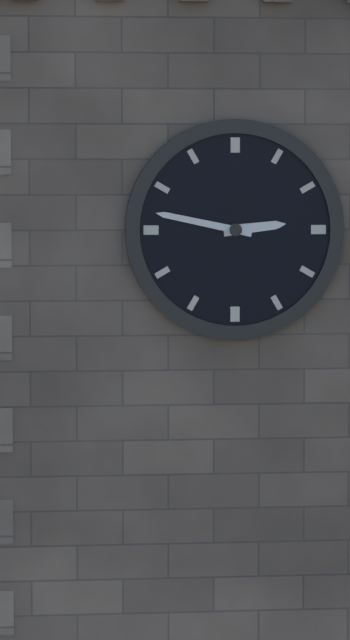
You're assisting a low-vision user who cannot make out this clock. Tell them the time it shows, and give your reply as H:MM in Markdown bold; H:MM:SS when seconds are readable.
**2:47**
